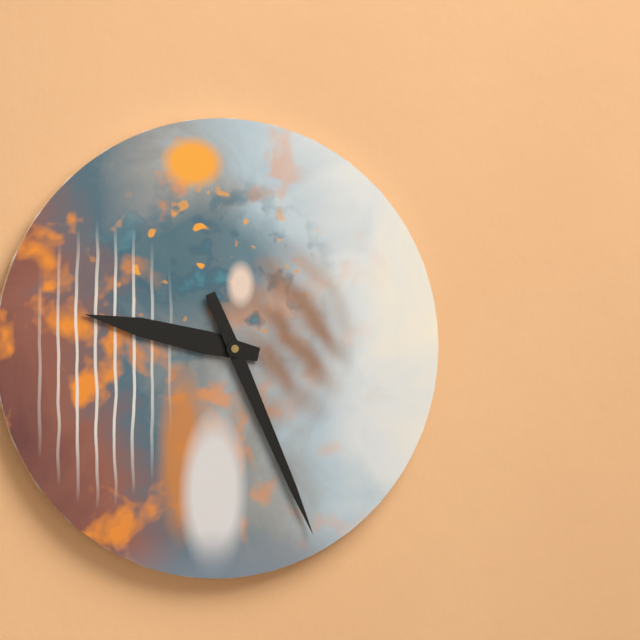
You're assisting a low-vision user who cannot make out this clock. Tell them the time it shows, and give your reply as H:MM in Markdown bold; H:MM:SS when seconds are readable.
**9:26**
